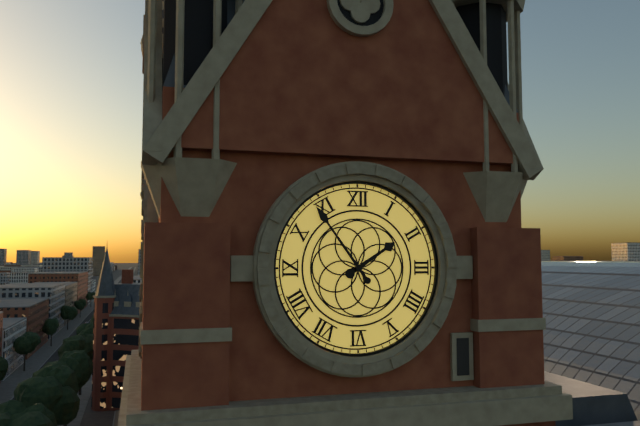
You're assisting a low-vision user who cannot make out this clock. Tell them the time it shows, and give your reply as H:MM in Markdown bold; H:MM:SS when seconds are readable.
**1:54**
